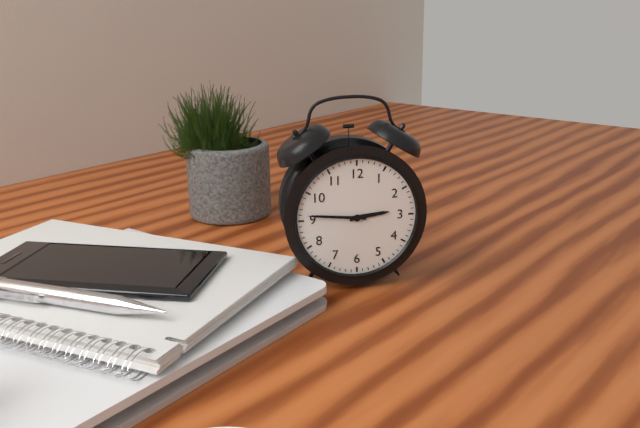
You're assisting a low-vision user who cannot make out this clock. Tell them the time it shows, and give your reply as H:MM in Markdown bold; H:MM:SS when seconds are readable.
**2:46**
